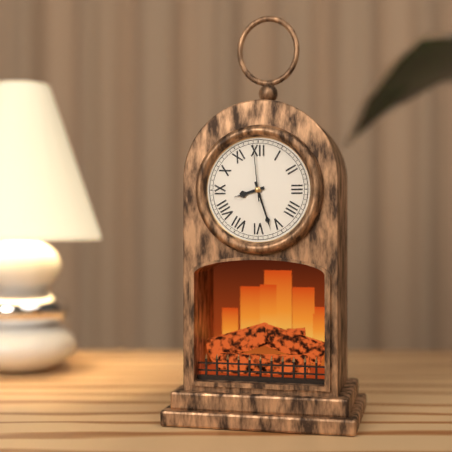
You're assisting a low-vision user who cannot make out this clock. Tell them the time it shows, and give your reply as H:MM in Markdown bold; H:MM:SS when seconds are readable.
**8:27:59**
